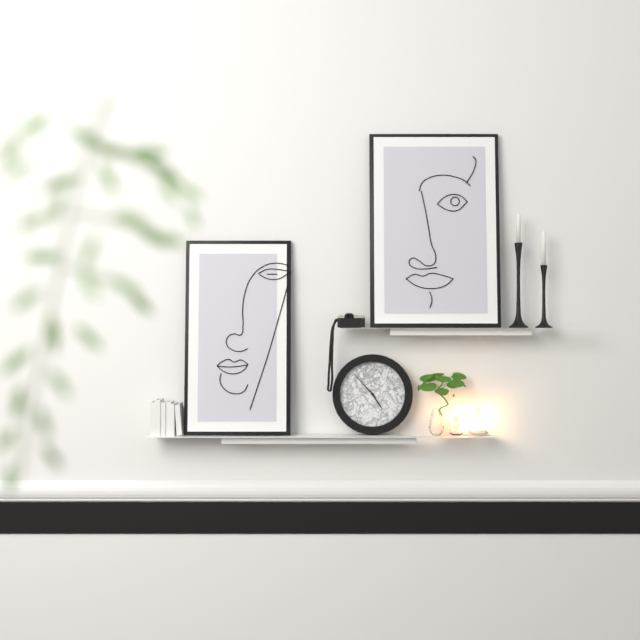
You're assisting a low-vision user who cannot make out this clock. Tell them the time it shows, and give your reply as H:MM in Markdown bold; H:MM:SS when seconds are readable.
**4:53**
